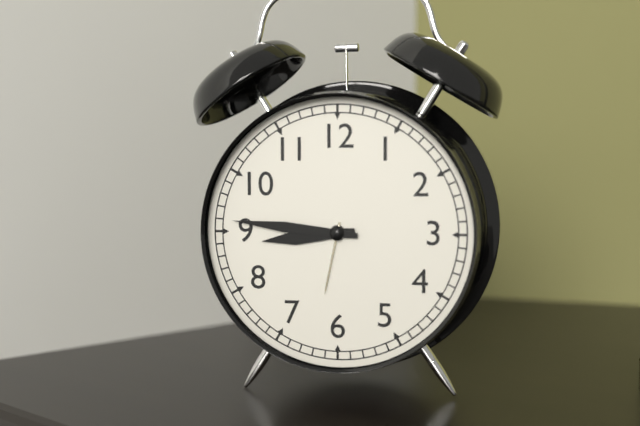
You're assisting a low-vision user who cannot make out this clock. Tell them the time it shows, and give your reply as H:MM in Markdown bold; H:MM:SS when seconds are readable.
**8:46**
